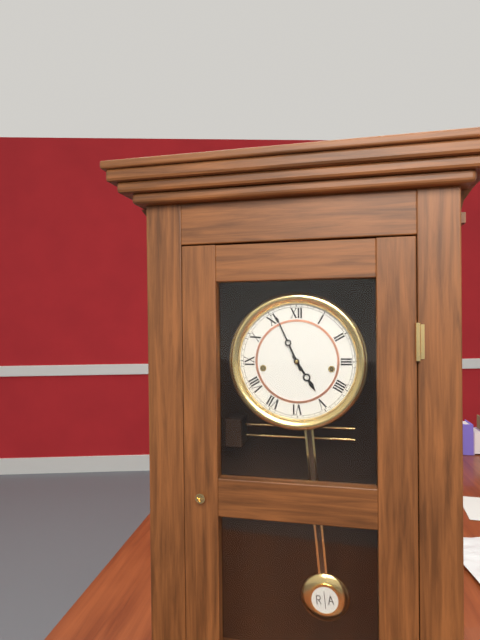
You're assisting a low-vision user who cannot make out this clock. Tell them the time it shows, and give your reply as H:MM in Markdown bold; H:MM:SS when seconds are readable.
**4:56**
